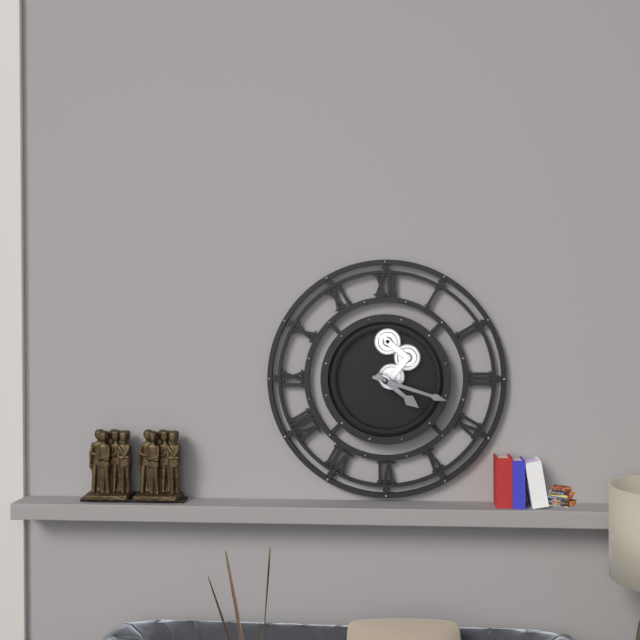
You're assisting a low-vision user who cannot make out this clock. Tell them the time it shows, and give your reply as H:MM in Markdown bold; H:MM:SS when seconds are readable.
**4:18**
